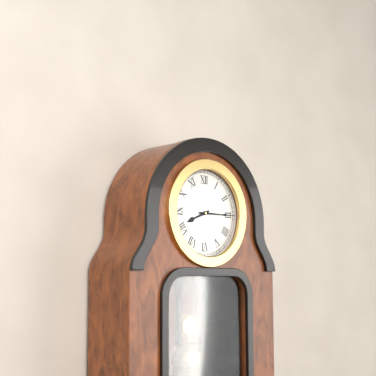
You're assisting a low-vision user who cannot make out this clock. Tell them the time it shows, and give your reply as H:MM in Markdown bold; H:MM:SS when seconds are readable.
**8:15**
